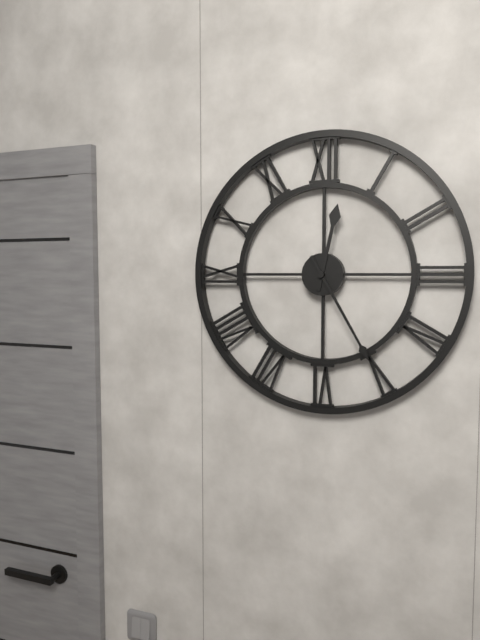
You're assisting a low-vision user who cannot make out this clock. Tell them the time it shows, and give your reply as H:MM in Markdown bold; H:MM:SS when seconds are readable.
**12:25**
